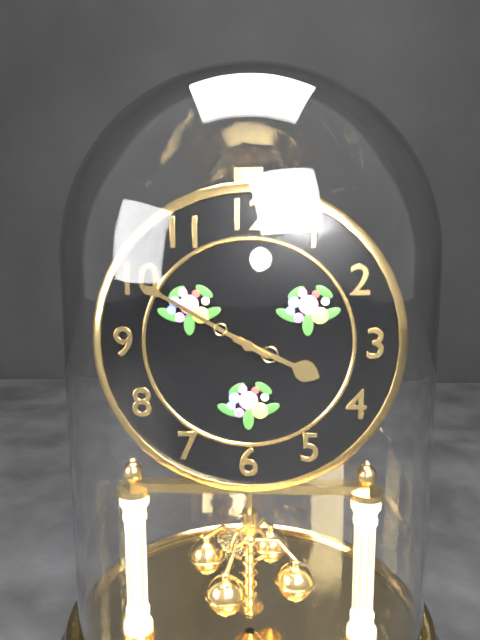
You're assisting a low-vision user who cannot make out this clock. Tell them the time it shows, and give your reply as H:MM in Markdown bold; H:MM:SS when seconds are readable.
**3:50**
